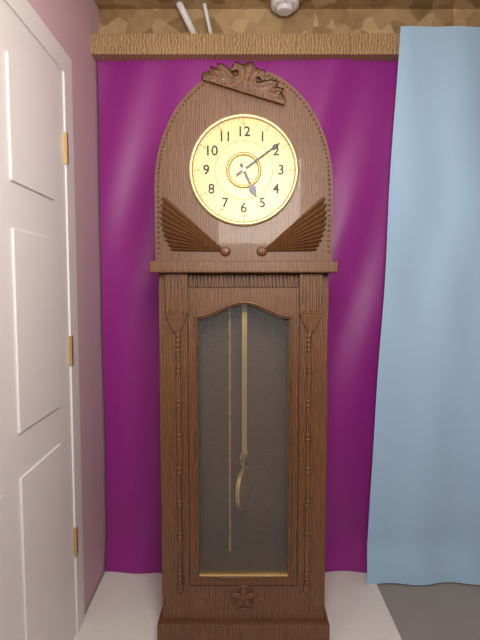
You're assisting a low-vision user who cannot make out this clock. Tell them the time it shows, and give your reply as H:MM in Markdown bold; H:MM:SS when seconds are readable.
**5:09**
